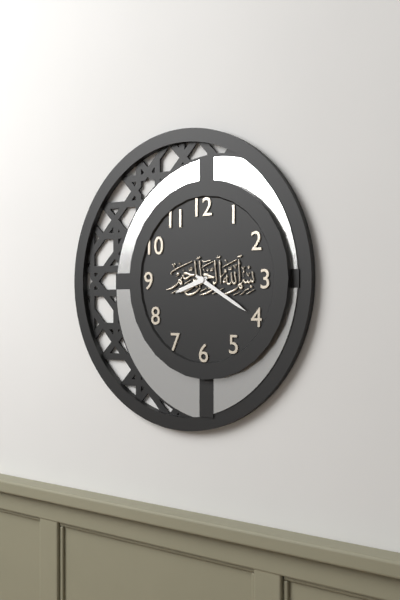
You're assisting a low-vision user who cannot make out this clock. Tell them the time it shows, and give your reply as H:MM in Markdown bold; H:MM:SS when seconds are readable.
**8:20**
